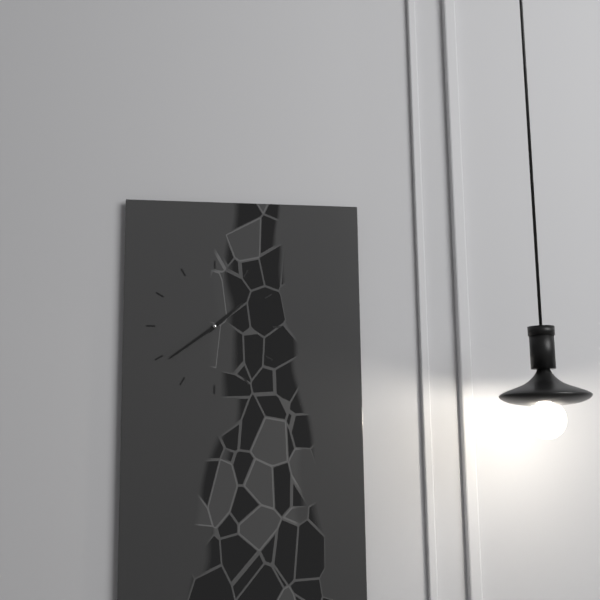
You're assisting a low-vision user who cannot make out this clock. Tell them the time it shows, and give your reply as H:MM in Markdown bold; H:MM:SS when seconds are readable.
**1:39**
